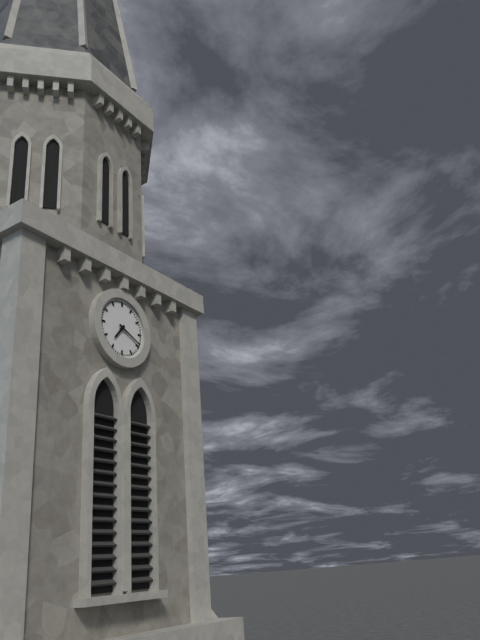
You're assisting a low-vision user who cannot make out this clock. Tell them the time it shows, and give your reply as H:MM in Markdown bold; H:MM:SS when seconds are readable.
**7:19**
